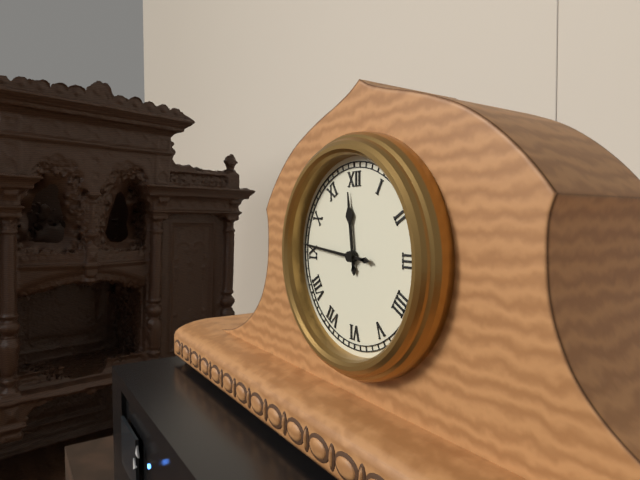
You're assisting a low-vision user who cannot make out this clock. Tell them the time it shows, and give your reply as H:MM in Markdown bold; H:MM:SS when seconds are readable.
**11:46**
